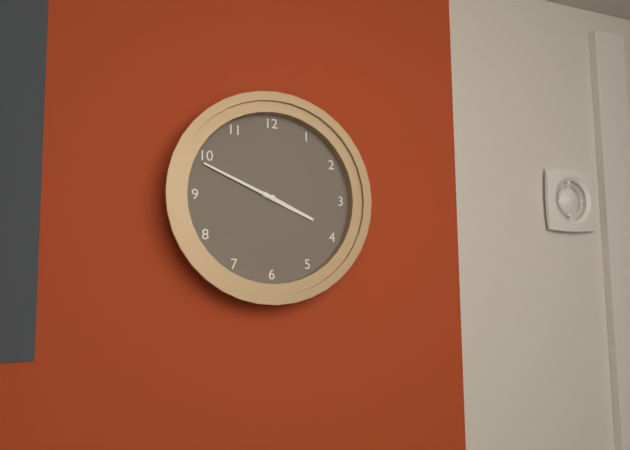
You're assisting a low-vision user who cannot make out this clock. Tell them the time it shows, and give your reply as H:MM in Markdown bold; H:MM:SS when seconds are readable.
**3:49**
